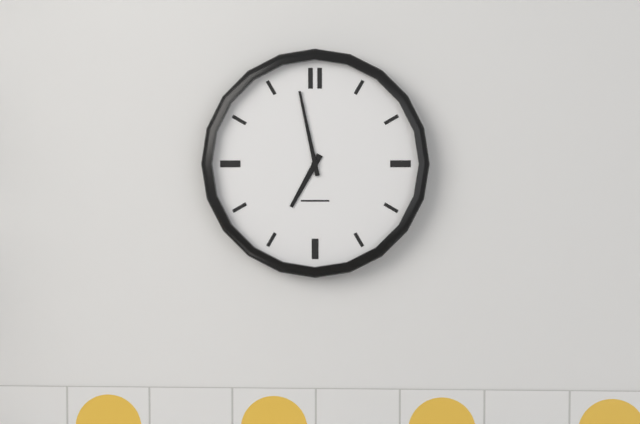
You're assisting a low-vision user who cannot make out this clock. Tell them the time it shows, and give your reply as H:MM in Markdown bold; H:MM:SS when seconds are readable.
**6:58**
